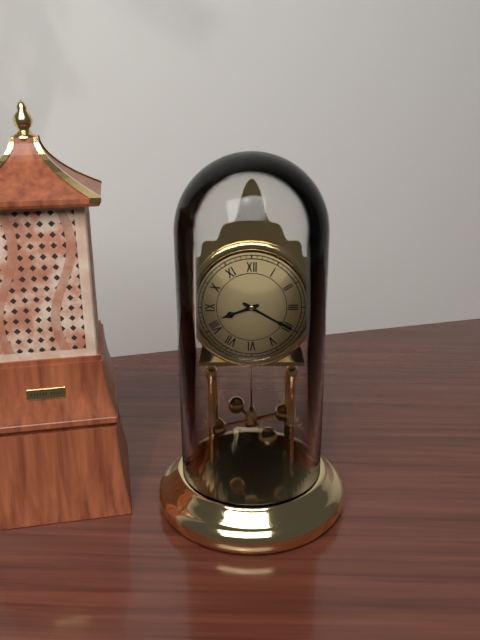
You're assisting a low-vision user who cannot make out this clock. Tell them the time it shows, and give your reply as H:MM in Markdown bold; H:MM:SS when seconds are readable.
**8:20**
